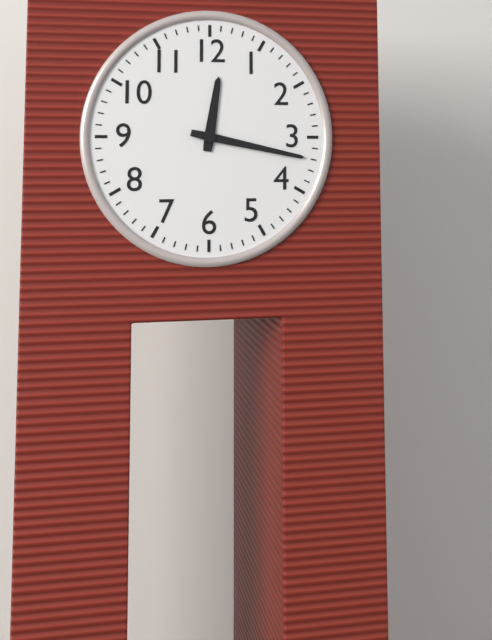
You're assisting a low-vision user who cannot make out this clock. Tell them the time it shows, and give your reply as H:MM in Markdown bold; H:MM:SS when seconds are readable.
**12:17**
